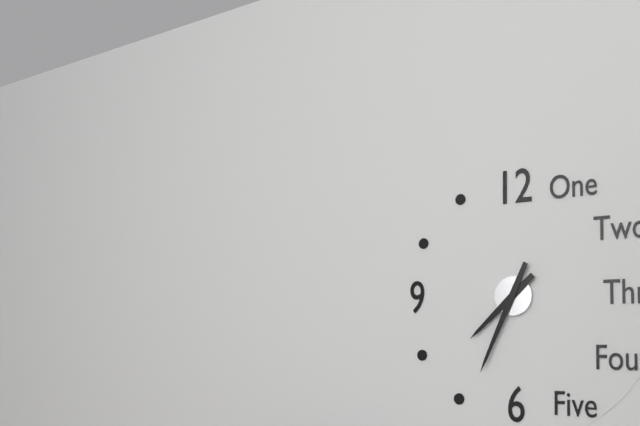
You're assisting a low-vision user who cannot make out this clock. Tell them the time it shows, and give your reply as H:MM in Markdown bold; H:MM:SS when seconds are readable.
**7:34**
